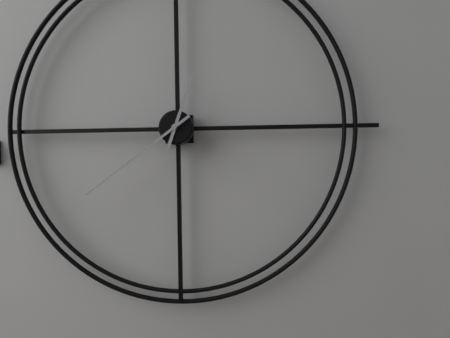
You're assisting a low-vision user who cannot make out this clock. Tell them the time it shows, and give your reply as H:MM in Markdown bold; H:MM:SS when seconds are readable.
**12:39**
